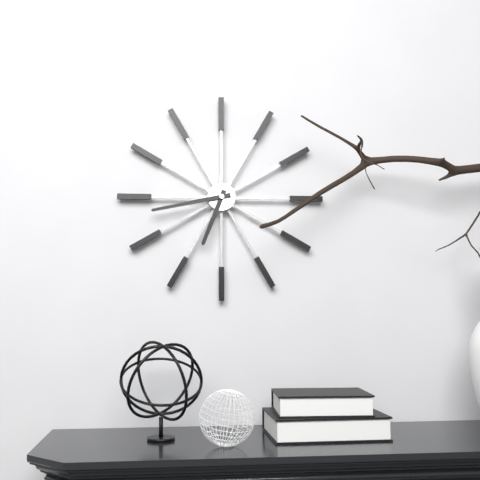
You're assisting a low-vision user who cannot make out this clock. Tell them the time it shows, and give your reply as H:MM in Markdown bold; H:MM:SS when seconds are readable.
**6:43**
